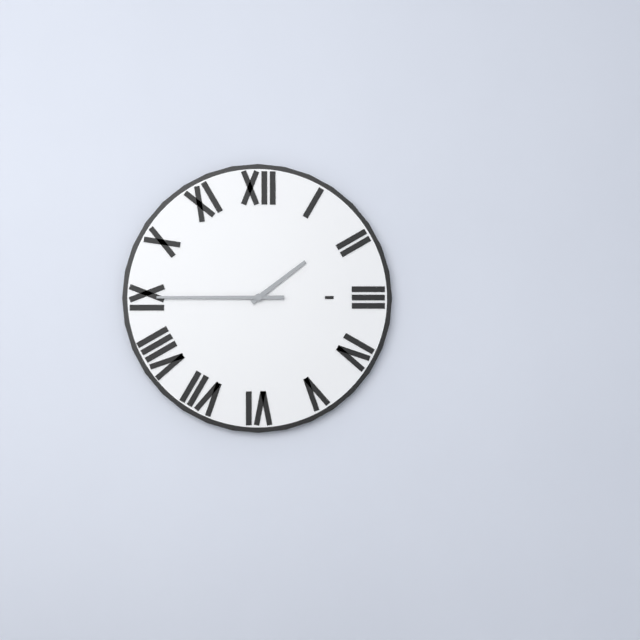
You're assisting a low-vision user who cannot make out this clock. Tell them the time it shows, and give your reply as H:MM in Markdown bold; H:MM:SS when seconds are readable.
**1:45**
